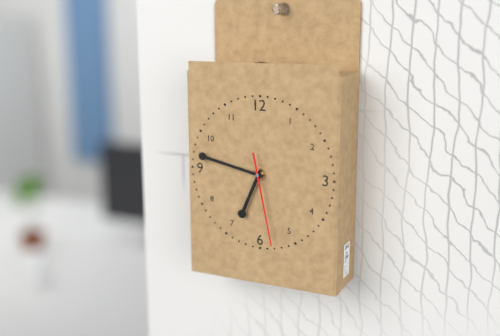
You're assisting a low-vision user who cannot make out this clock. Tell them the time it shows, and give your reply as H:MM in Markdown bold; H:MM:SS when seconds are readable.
**6:47:28**
